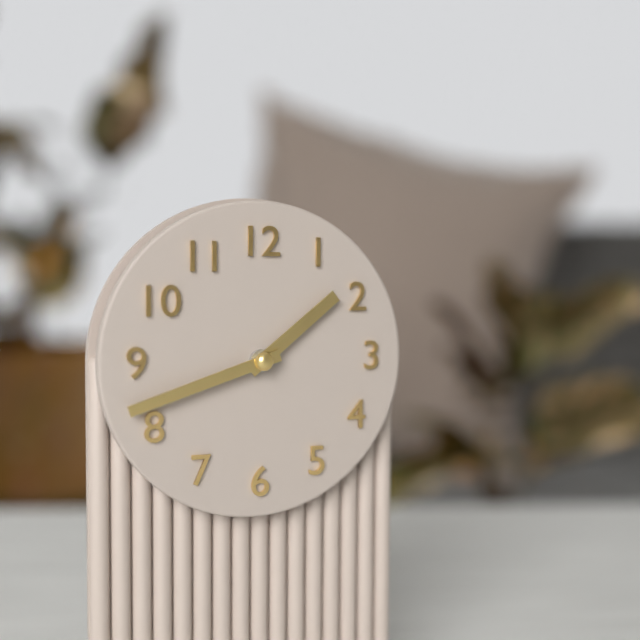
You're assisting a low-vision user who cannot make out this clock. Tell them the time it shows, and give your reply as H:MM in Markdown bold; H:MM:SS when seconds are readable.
**1:42**
